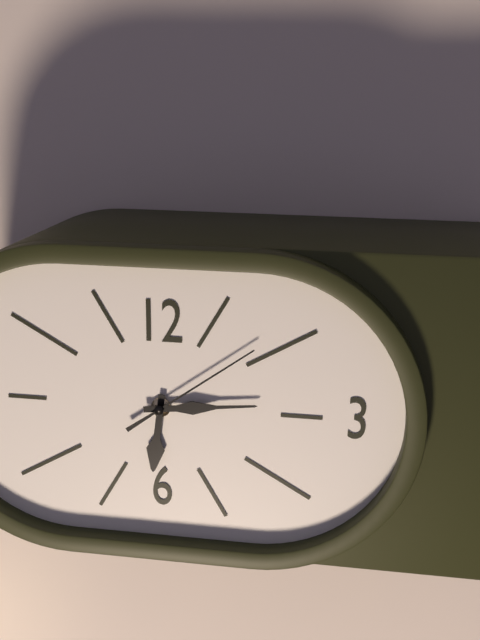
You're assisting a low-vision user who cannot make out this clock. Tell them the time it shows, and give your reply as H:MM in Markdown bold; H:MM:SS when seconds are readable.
**6:14:09**
